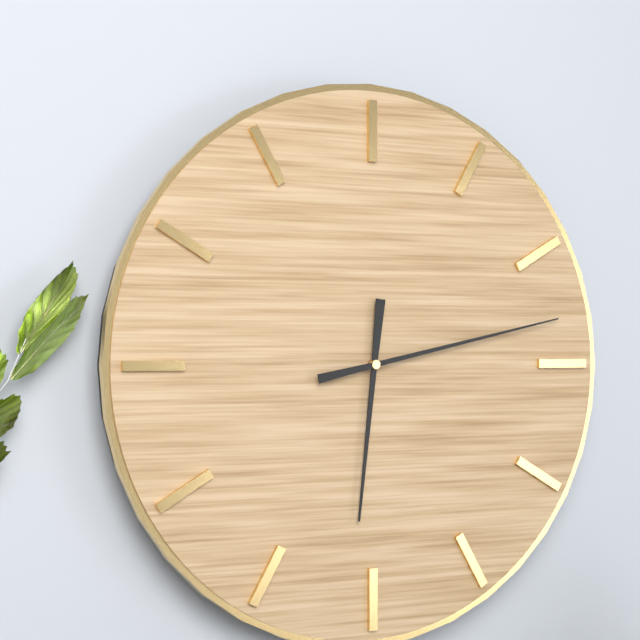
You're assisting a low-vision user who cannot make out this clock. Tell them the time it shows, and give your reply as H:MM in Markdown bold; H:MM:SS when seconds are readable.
**6:13**
